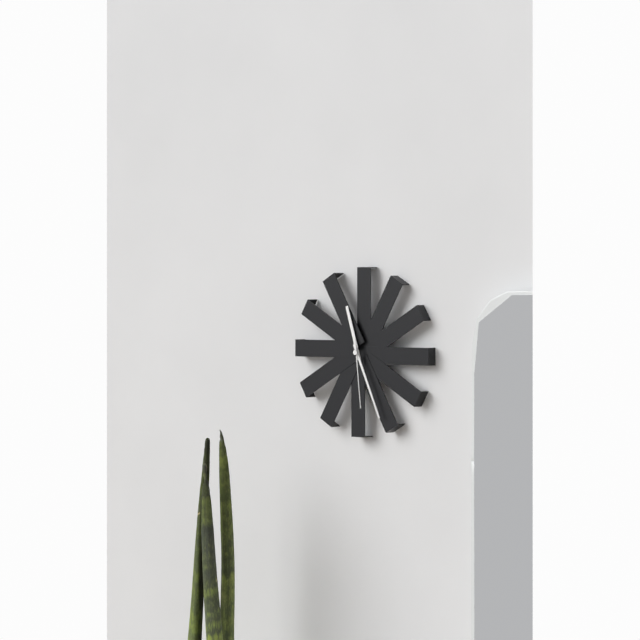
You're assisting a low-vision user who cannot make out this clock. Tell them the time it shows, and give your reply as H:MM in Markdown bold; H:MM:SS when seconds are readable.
**11:26:29**
